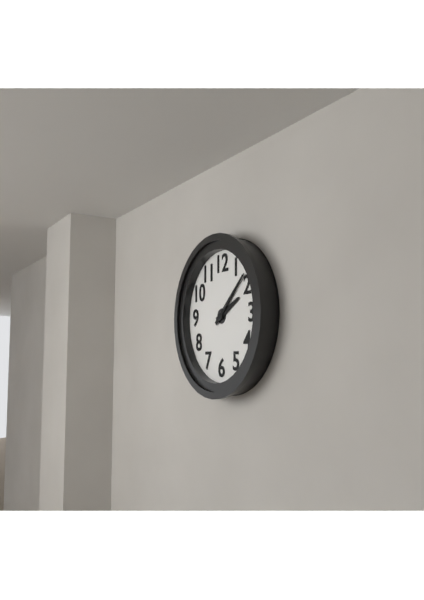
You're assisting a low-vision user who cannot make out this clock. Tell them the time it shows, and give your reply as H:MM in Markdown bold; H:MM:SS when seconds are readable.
**2:08**
